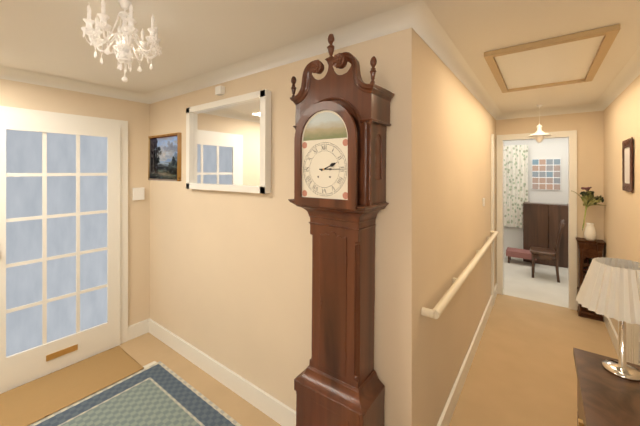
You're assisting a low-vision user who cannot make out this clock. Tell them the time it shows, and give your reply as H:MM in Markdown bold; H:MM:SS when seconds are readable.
**2:15**
